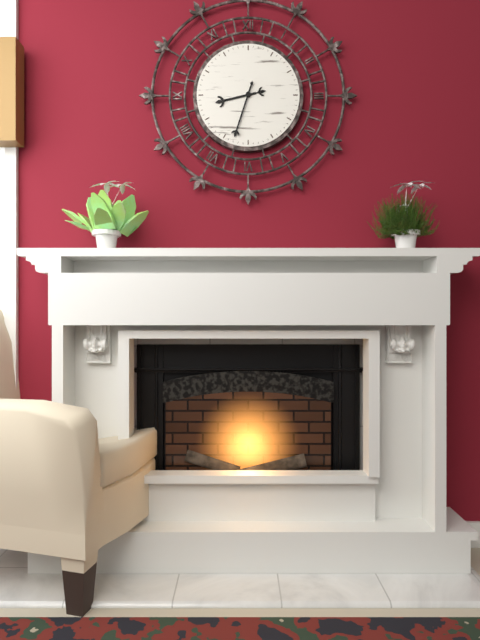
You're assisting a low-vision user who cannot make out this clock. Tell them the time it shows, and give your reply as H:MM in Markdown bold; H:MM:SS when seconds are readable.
**8:33**
